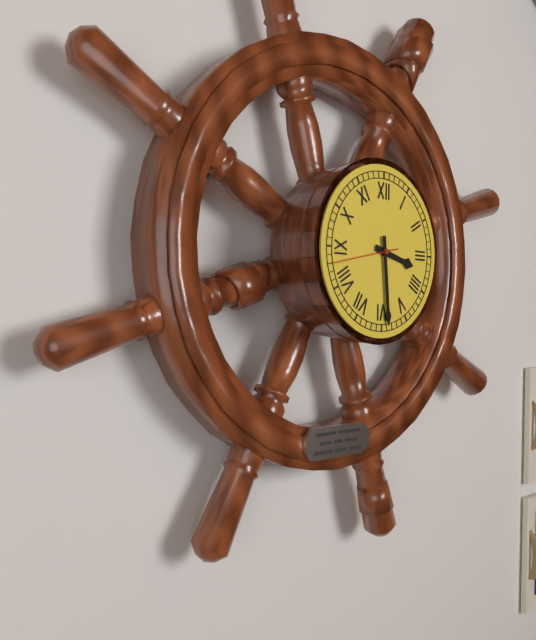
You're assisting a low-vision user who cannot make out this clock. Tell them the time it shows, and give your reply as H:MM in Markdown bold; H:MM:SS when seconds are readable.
**3:29:43**
